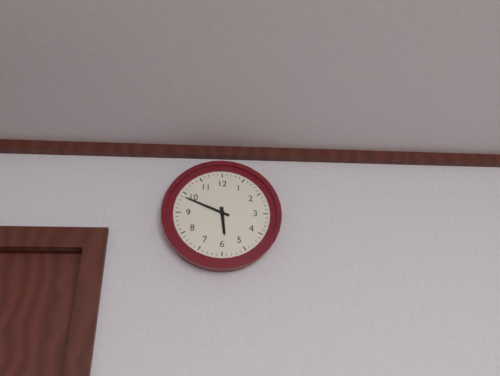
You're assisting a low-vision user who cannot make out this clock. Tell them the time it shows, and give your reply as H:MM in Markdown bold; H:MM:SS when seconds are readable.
**5:49**
